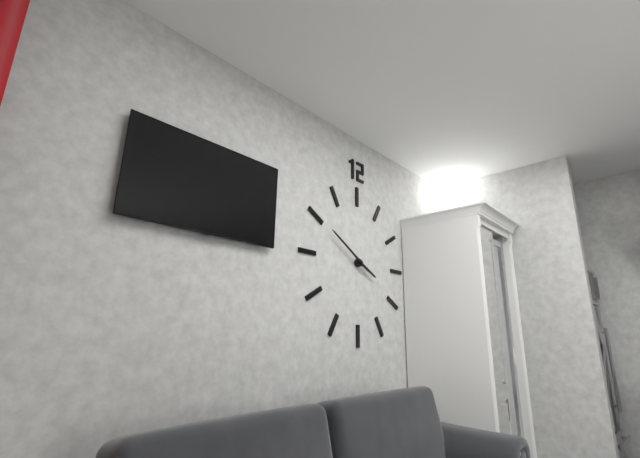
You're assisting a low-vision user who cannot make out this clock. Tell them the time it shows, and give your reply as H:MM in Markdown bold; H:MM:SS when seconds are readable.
**3:50**
